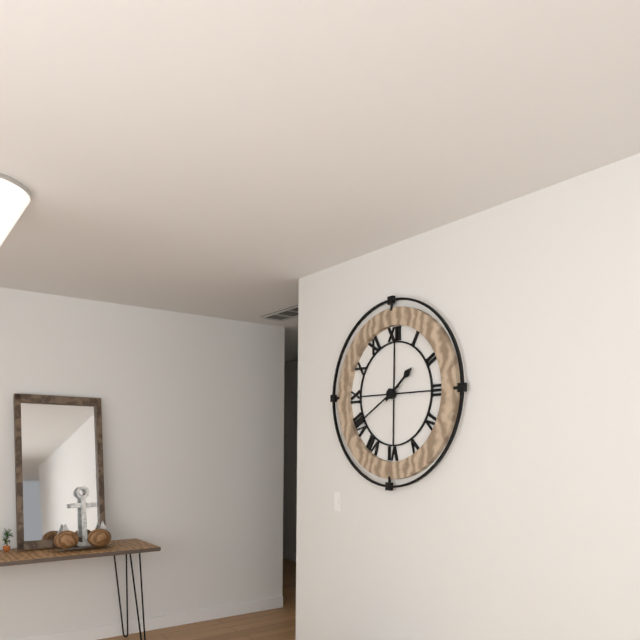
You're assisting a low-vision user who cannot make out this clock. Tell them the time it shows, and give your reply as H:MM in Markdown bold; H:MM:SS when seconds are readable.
**1:40**
